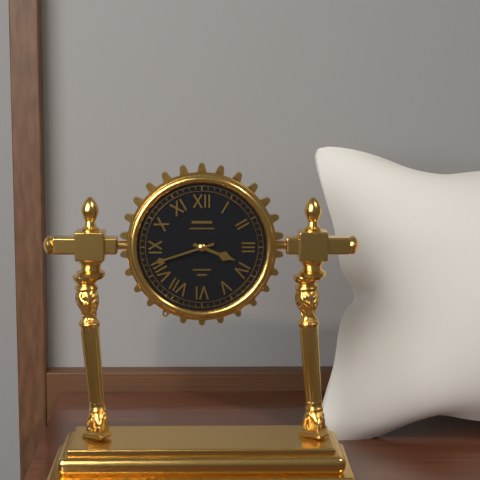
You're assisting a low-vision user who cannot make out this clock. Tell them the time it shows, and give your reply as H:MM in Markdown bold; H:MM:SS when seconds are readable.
**3:42**
